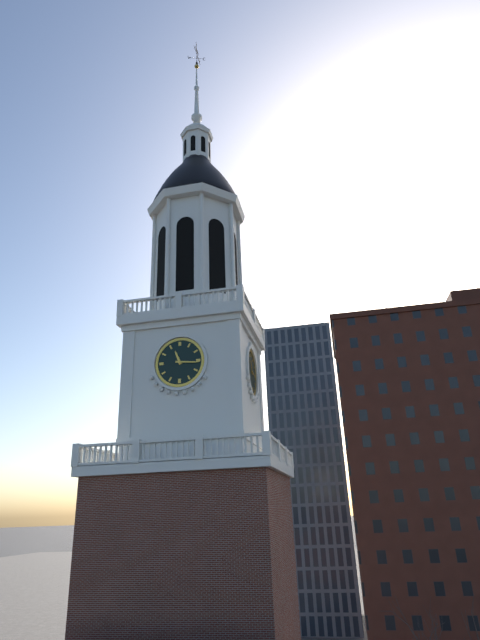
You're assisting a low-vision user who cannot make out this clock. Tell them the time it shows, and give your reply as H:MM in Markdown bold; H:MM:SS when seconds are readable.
**11:16**
